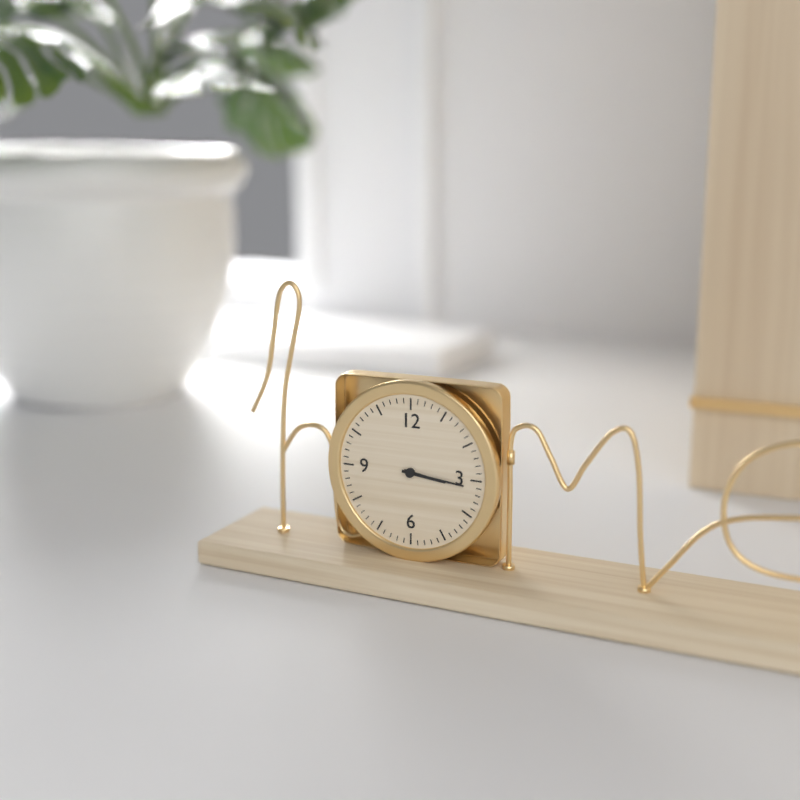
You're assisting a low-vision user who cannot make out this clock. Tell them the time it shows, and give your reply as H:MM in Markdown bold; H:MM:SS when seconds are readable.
**3:16**
